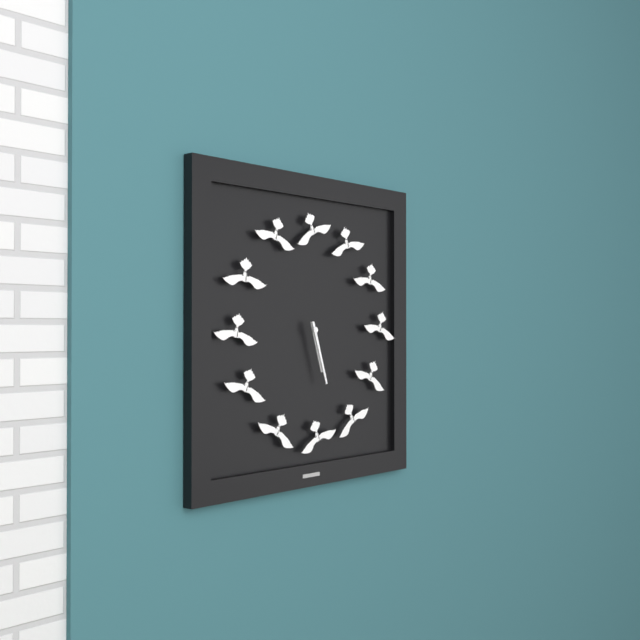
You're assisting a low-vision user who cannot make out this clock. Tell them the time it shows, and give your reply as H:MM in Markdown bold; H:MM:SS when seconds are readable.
**5:27**
